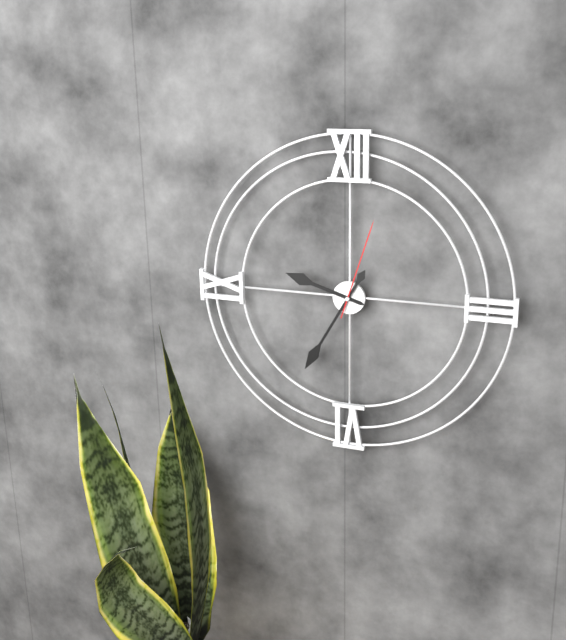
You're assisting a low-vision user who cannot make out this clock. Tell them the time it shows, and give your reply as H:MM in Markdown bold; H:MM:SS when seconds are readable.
**9:35:03**
